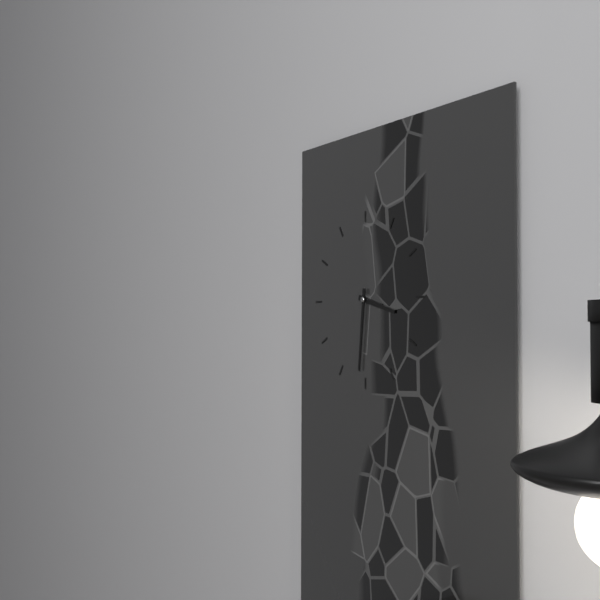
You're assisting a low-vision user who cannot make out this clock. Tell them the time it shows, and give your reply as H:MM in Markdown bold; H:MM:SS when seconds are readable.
**3:31**
